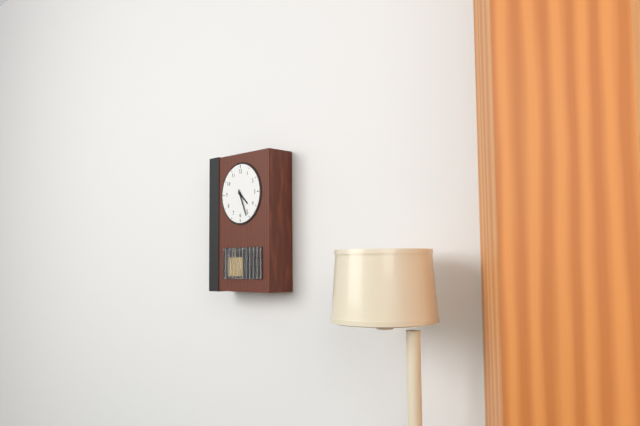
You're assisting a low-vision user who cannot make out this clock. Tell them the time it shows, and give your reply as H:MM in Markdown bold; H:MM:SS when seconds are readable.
**4:26**
